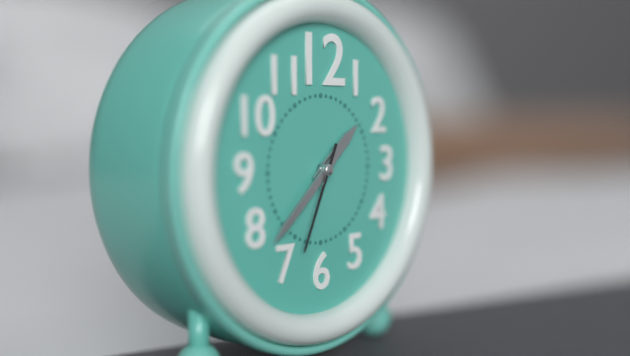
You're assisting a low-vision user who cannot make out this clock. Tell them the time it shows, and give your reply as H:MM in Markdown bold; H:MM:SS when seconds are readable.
**1:38:34**
